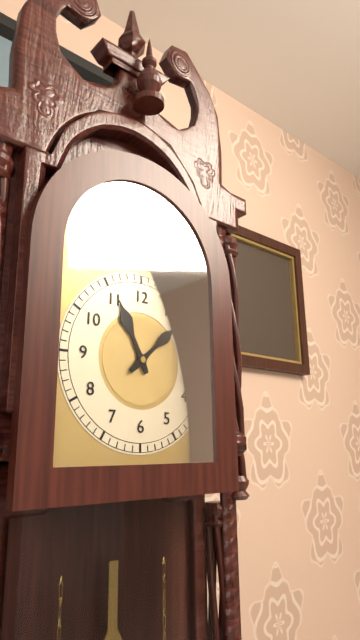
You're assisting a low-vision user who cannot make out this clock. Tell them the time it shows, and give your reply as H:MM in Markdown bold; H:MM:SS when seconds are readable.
**11:08**
